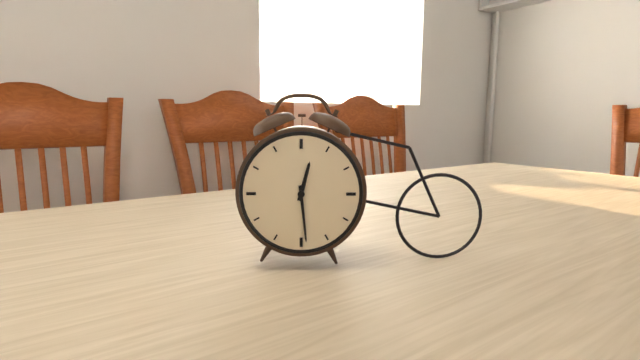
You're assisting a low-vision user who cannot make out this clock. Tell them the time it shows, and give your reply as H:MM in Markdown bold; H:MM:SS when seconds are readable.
**12:29**
